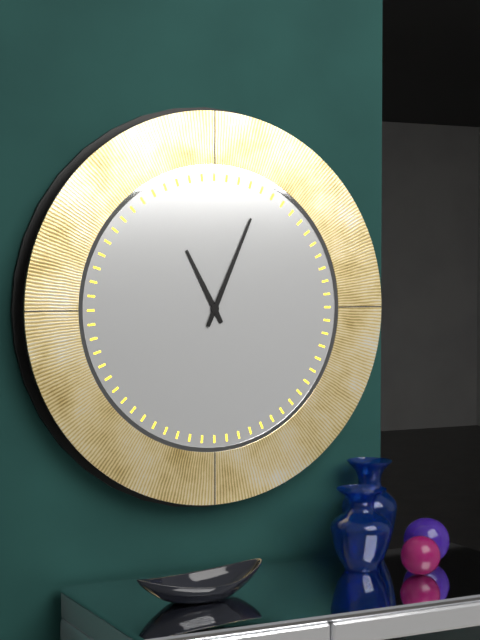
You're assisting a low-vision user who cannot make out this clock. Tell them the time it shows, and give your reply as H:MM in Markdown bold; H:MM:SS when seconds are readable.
**11:04**
